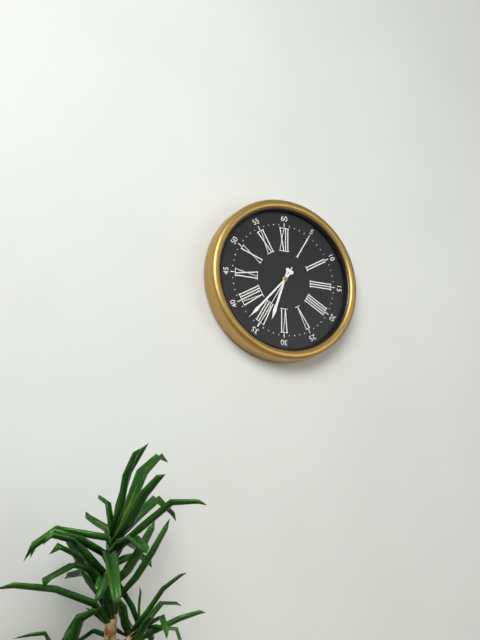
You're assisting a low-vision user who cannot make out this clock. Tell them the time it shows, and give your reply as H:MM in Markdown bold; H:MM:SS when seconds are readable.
**6:37:35**
